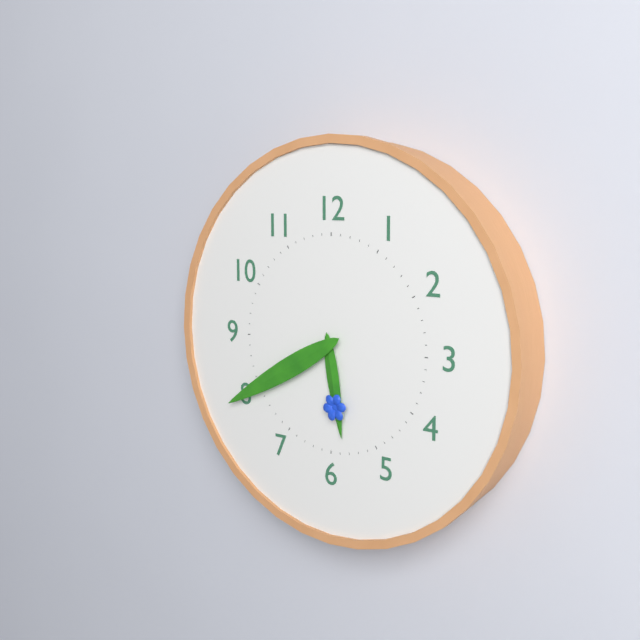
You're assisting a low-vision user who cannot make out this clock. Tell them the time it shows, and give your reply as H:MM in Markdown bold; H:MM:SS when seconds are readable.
**5:40**
